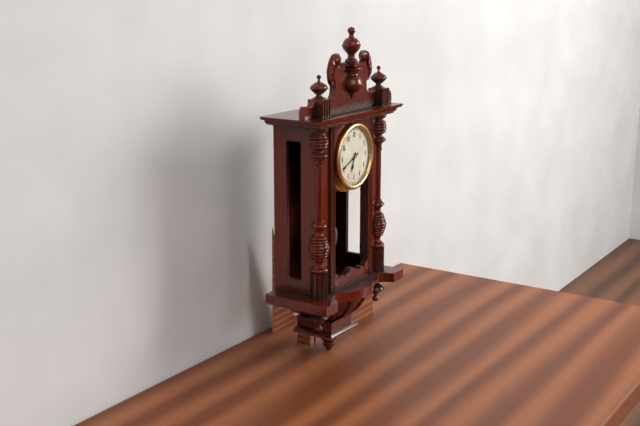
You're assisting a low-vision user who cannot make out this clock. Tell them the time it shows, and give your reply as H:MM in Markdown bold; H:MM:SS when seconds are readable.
**6:41**
